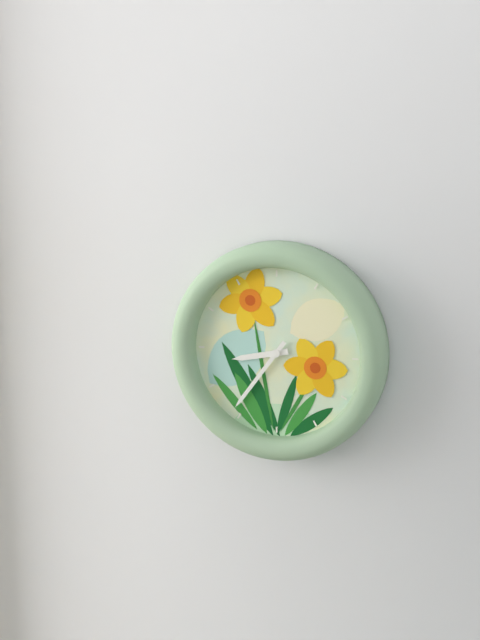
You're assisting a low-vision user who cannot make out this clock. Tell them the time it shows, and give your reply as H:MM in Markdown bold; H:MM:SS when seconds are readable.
**8:36**
